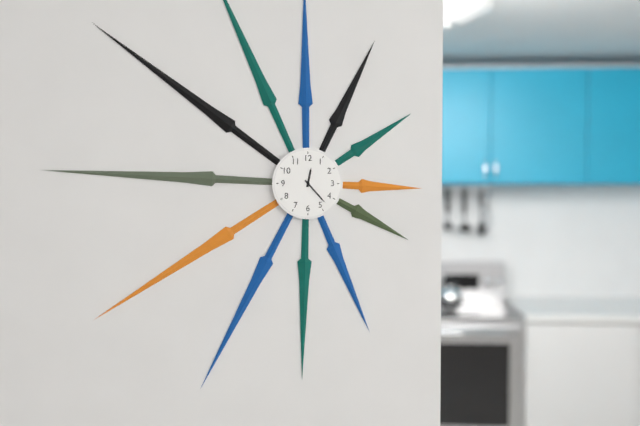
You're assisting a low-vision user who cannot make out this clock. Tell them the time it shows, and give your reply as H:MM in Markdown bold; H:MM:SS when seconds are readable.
**12:23**
